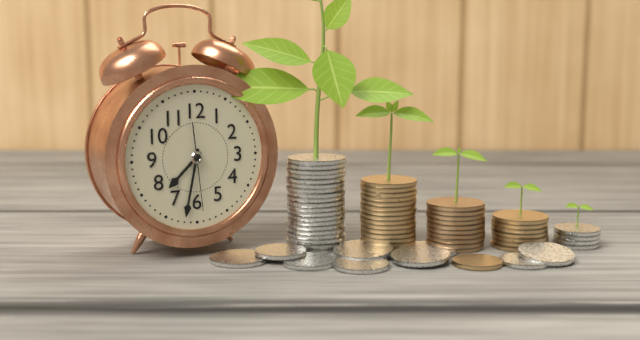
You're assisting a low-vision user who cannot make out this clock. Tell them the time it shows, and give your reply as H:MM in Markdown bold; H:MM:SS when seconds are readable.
**7:32:29**
